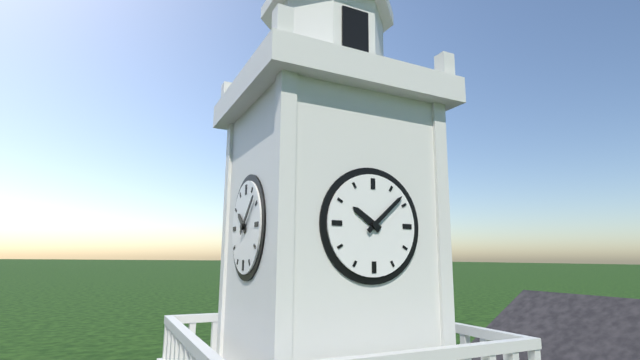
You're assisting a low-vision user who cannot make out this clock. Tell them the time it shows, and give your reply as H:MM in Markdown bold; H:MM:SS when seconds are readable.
**10:08**
